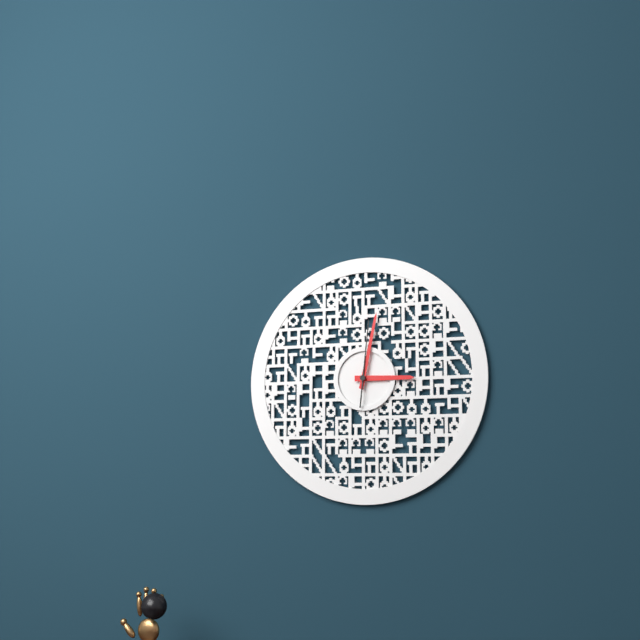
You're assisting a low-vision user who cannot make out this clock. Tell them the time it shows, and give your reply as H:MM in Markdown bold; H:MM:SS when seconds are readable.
**3:02:01**
